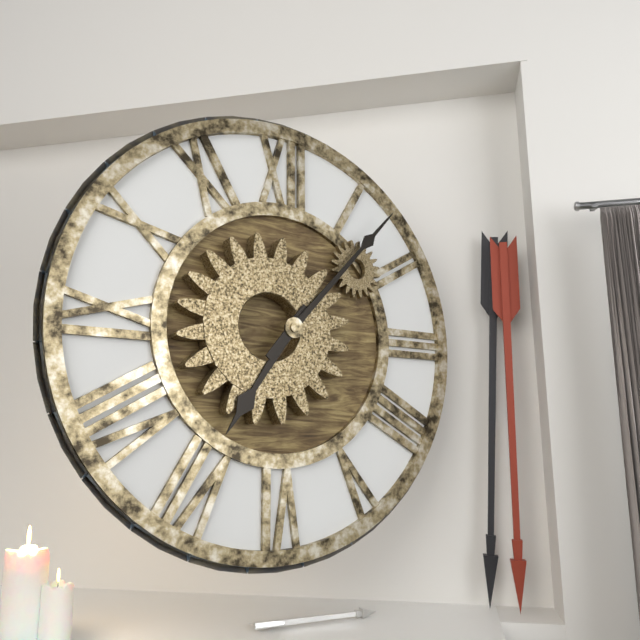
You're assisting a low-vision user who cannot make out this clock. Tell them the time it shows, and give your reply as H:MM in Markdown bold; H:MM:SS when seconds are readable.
**7:07**
